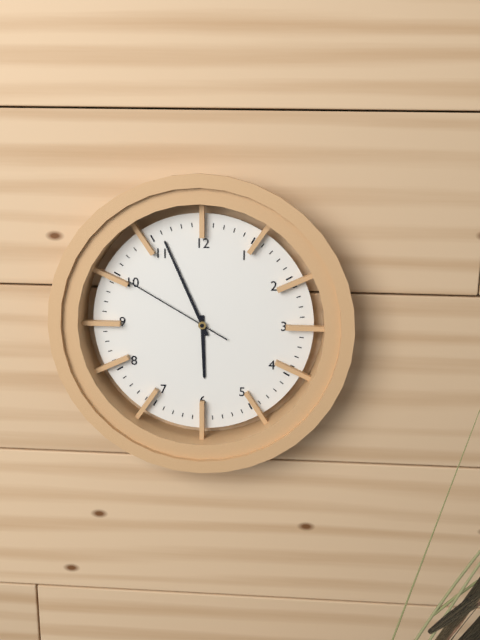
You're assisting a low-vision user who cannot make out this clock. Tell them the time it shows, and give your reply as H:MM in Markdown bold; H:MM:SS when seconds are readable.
**5:56:50**
